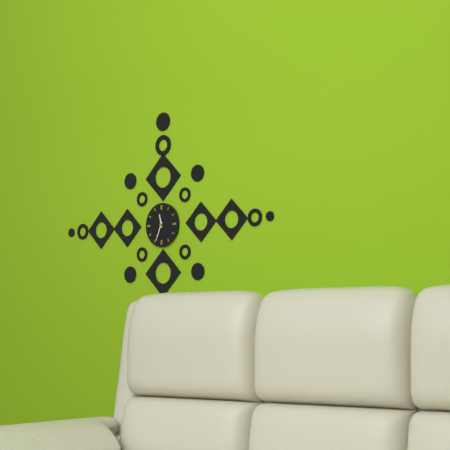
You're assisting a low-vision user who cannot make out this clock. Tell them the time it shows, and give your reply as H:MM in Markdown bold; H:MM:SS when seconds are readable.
**11:34**
